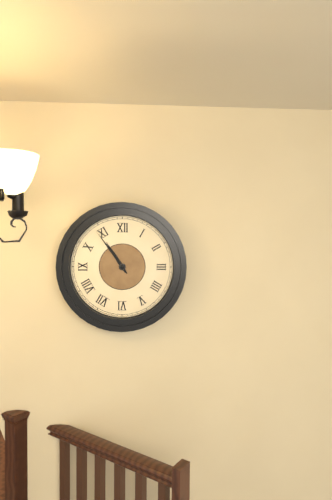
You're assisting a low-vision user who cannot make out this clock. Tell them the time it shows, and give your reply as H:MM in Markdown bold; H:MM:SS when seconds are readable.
**10:54**
